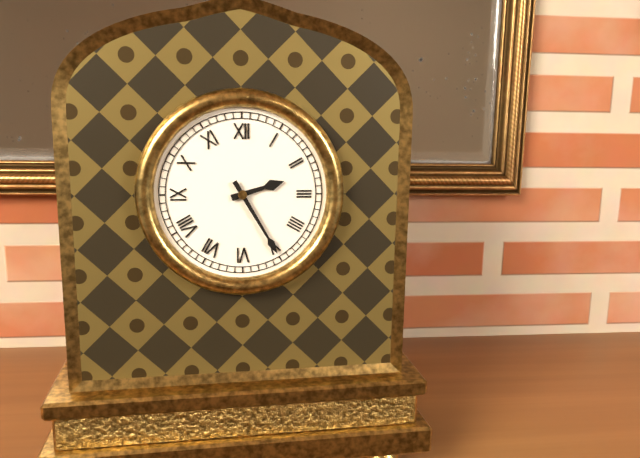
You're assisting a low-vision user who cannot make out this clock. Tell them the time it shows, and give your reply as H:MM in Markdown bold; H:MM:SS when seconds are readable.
**2:25**
